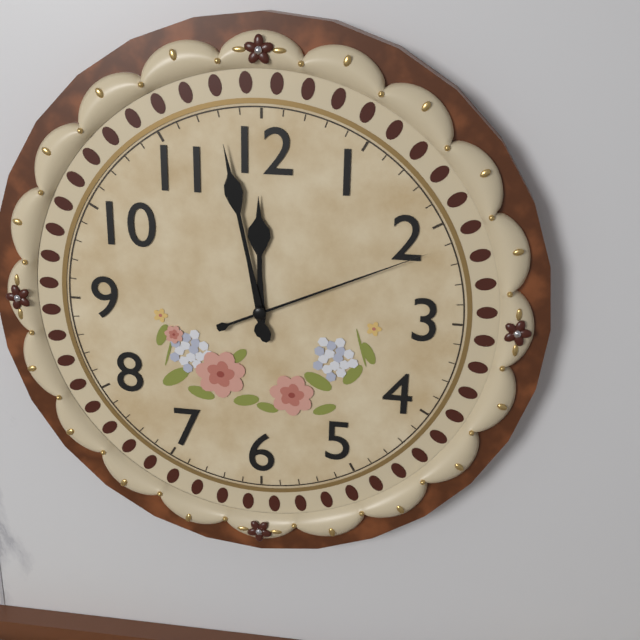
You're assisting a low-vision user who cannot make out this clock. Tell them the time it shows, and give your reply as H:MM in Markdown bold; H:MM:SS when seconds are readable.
**11:58:11**
